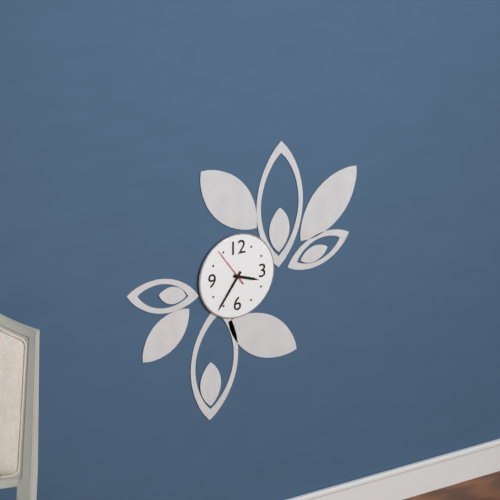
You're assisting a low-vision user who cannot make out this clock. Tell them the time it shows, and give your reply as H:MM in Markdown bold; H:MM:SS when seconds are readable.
**3:36**
